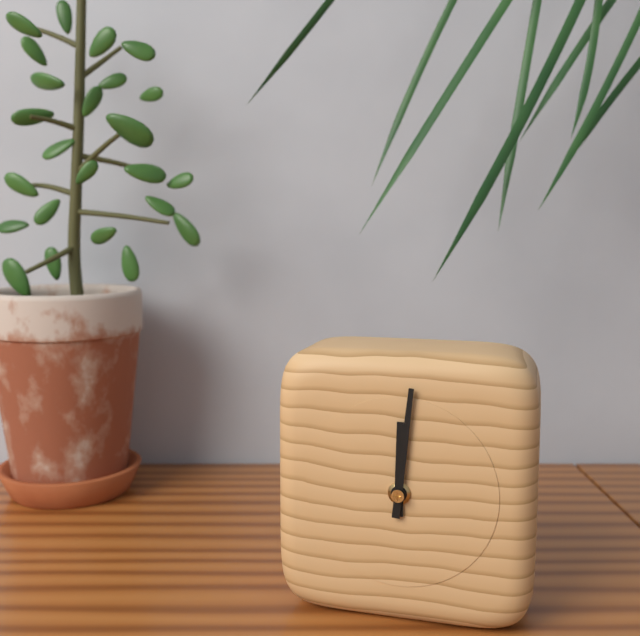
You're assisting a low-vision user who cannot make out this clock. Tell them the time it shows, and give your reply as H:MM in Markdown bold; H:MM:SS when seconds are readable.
**12:01**
